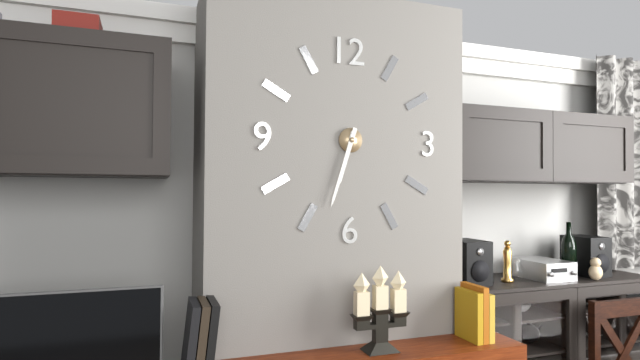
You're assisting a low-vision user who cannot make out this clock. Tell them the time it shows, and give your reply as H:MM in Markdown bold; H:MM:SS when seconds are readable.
**6:33**
